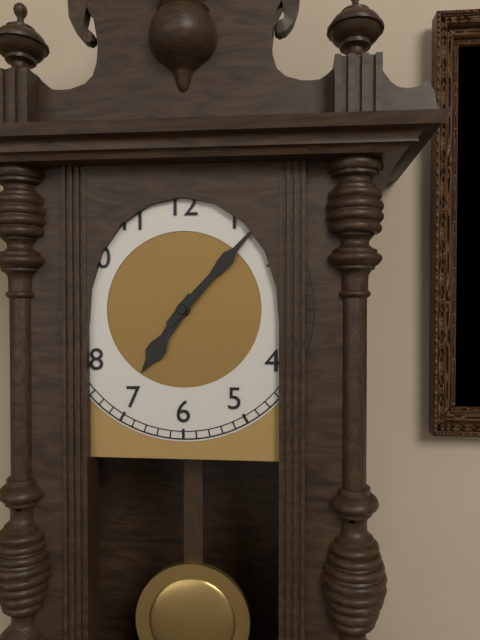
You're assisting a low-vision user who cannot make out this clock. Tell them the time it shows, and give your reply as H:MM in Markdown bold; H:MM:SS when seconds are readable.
**7:07**
